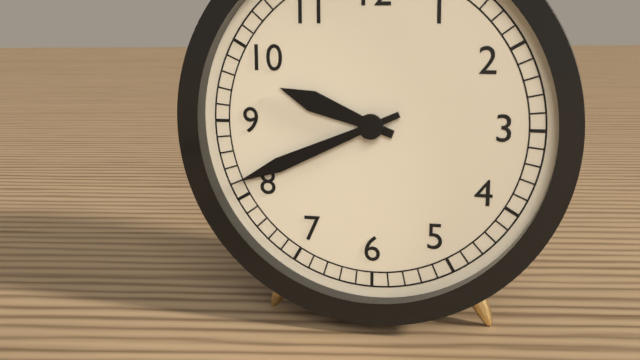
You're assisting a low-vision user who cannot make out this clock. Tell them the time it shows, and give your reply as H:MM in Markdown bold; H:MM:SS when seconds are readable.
**9:41**
